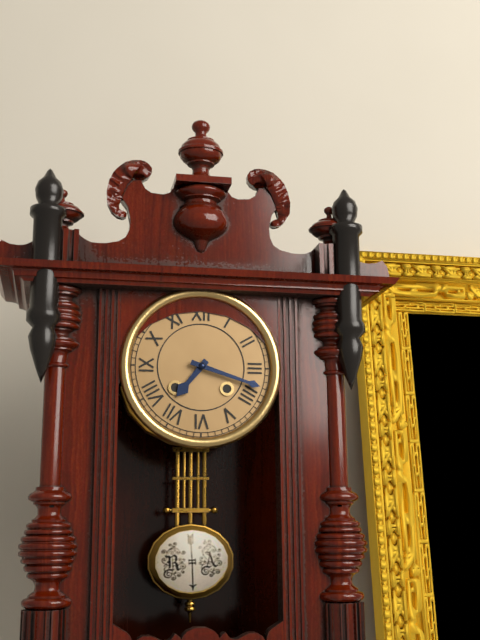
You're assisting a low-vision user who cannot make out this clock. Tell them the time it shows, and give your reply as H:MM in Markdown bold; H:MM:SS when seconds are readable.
**7:18**
